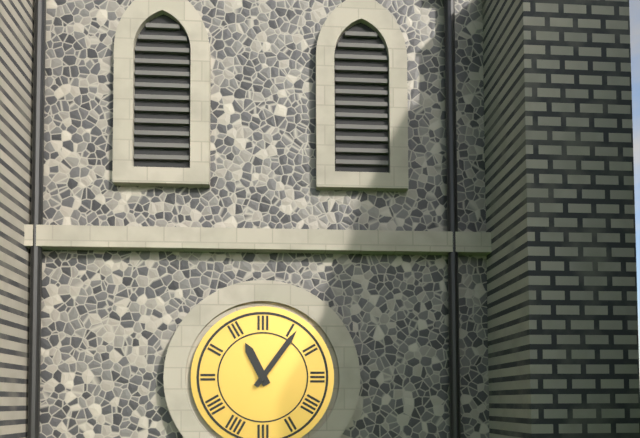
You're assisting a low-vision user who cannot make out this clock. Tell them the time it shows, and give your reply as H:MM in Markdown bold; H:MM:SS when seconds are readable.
**11:06**
